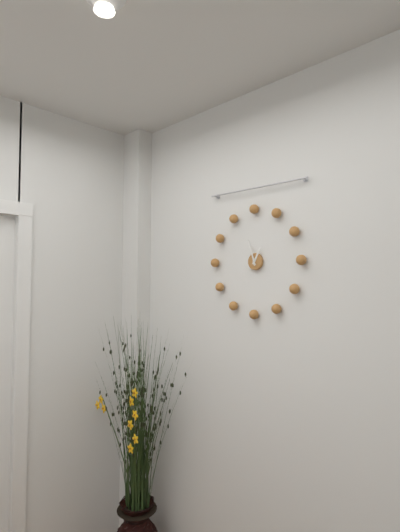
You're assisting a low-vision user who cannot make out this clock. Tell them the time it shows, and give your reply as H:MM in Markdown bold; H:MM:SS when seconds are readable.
**12:57**
